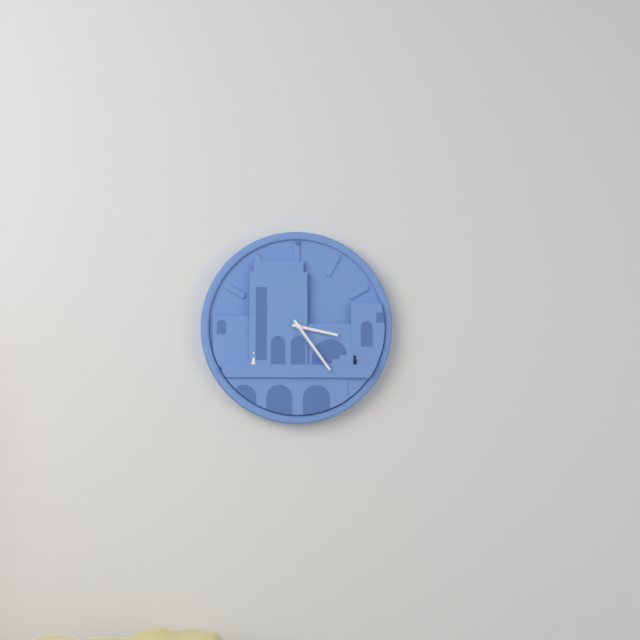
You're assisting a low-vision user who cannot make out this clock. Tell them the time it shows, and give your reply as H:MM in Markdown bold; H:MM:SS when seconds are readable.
**3:24**
